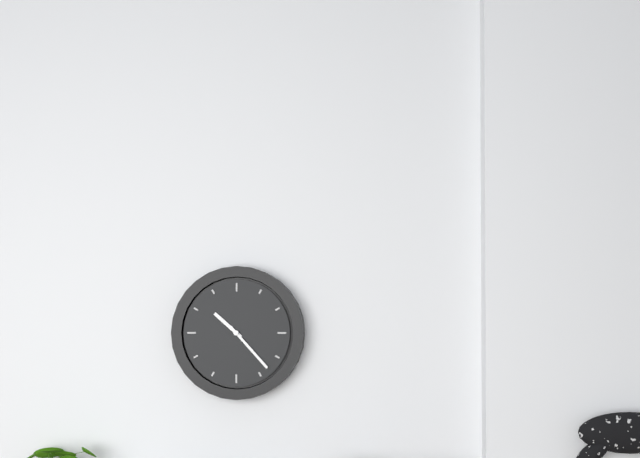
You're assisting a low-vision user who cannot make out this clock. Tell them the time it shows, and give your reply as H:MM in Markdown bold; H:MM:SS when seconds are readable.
**10:23**
